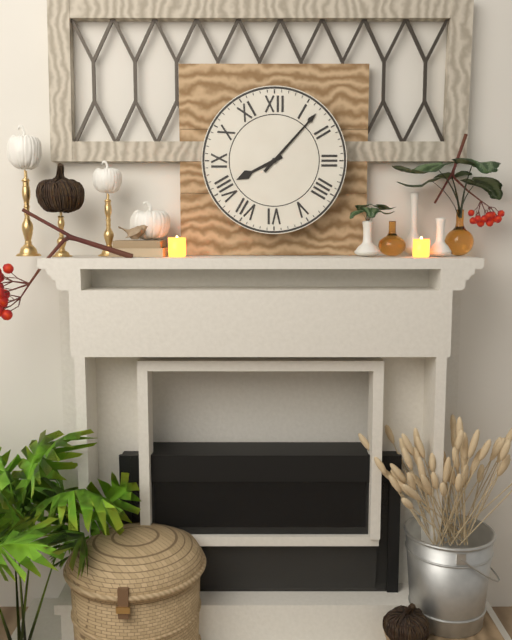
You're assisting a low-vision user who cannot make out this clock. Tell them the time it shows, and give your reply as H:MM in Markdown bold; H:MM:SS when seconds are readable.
**8:07**
